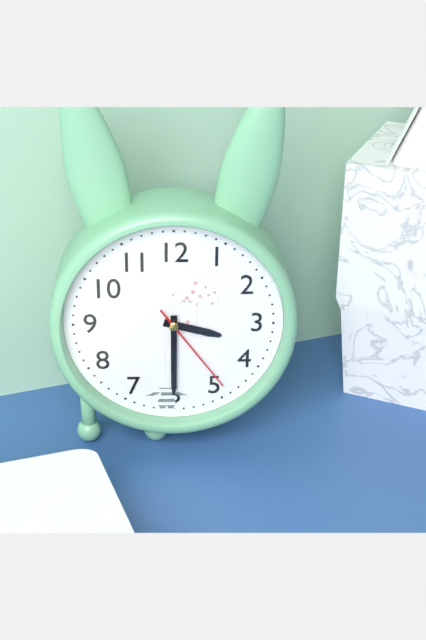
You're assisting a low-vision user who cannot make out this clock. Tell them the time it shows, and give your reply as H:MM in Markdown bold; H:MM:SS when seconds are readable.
**3:30:24**
